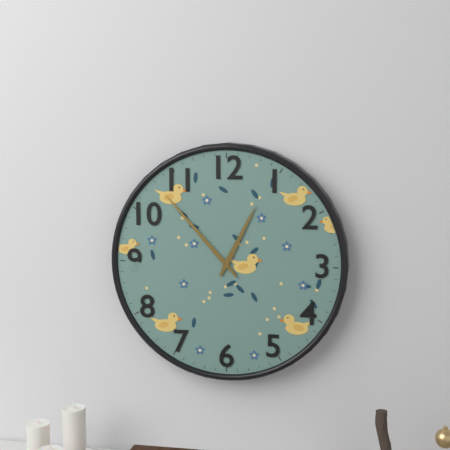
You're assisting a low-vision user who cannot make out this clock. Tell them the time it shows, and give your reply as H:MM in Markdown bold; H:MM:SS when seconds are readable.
**12:53**
